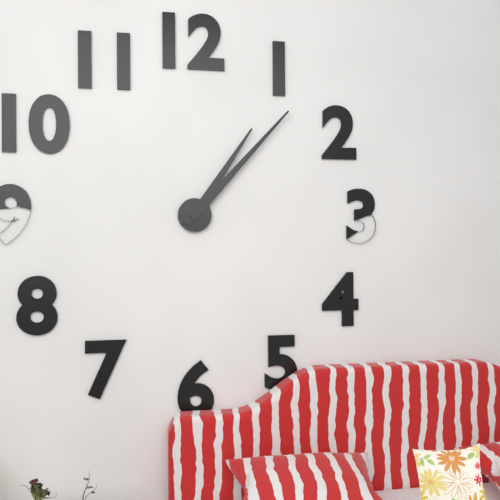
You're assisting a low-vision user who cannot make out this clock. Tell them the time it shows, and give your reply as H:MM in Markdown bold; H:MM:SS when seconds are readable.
**1:07**
